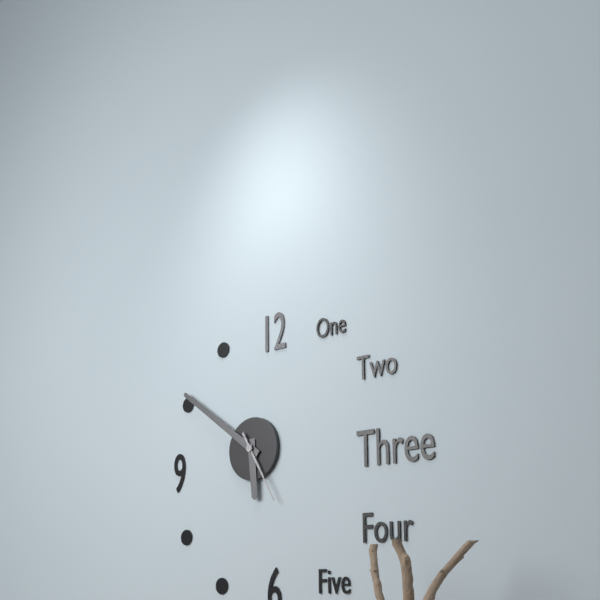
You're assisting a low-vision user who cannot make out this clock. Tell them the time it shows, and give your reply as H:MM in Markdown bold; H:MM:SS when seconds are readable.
**5:51:25**
